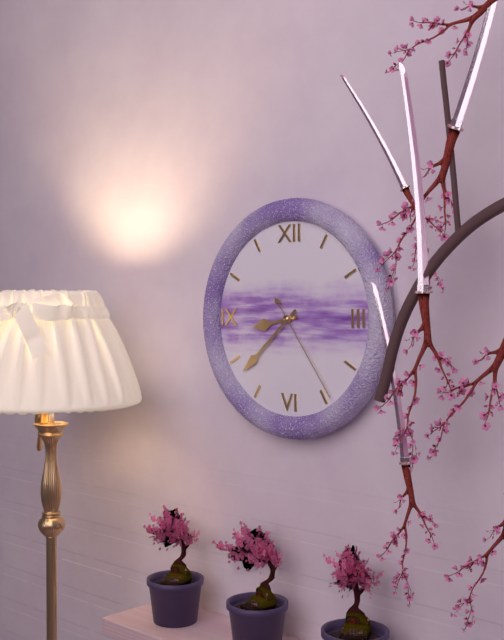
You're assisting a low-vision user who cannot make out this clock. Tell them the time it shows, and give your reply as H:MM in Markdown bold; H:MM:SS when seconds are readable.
**8:38:24**
